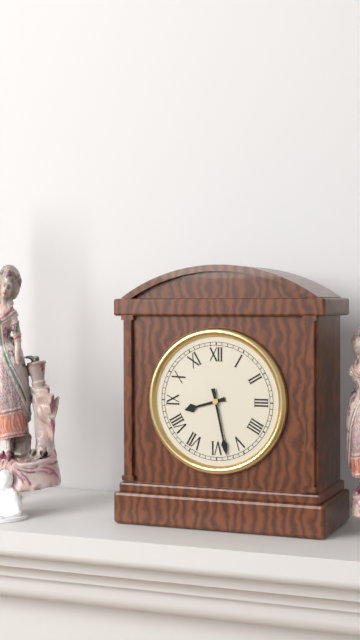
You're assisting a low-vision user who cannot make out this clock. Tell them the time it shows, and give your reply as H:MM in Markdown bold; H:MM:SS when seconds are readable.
**8:28**
